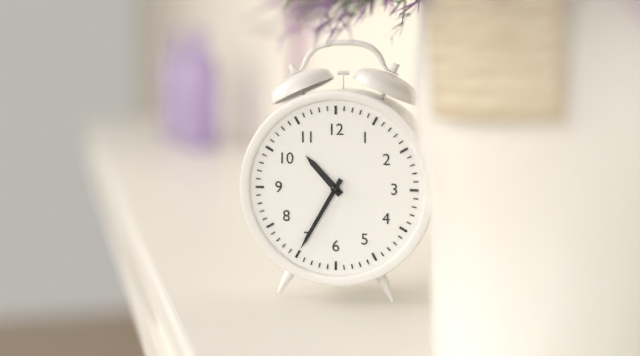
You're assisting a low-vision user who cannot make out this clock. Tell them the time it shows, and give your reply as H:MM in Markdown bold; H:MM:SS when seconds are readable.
**10:35**
